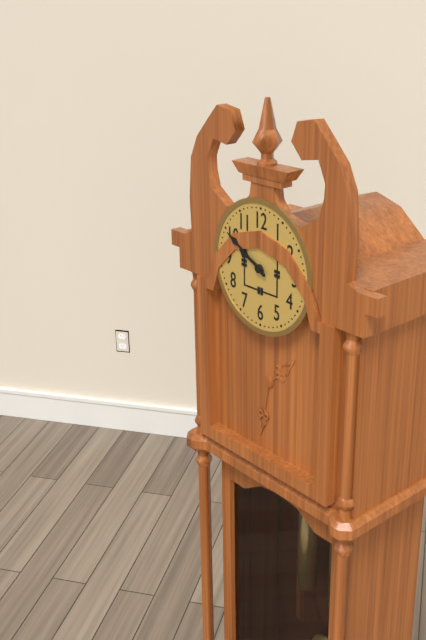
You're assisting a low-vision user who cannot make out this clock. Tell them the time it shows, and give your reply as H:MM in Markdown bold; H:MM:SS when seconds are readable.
**9:50**
